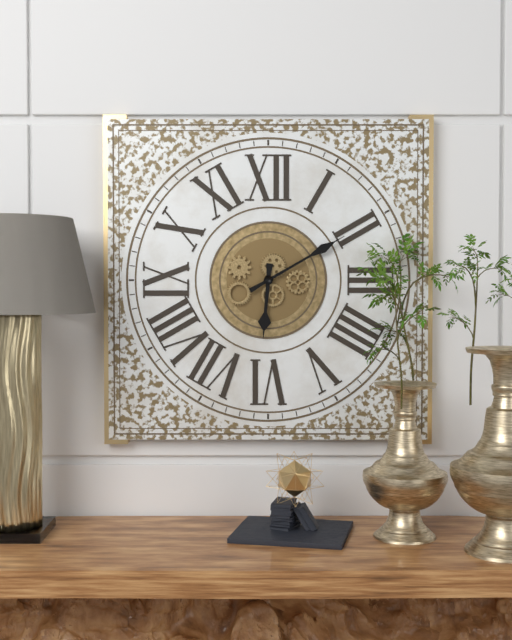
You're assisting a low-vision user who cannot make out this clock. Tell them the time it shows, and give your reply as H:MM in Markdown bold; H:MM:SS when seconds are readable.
**6:10**
